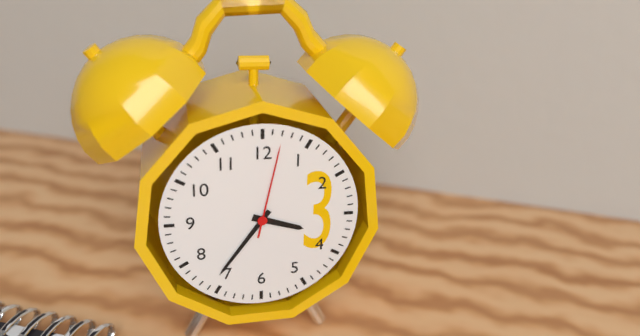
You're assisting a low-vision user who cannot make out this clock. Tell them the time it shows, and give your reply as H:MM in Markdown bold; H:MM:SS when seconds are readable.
**3:36:02**
